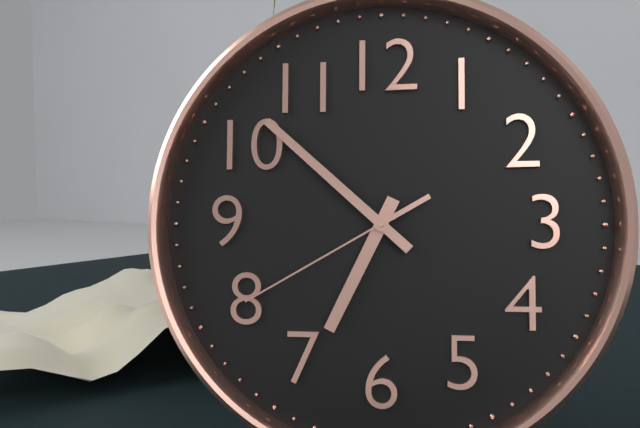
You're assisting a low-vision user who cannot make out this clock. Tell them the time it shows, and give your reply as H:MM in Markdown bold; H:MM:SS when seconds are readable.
**6:52:40**
